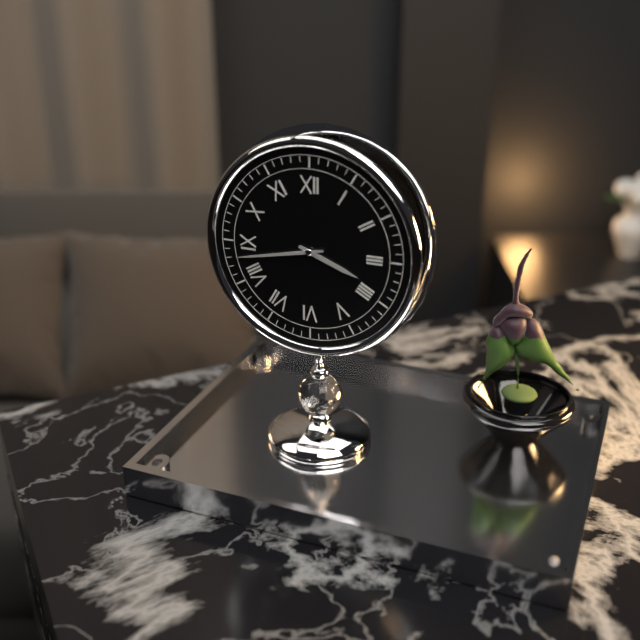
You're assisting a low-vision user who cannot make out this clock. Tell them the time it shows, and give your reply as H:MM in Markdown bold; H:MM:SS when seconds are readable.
**3:43**
